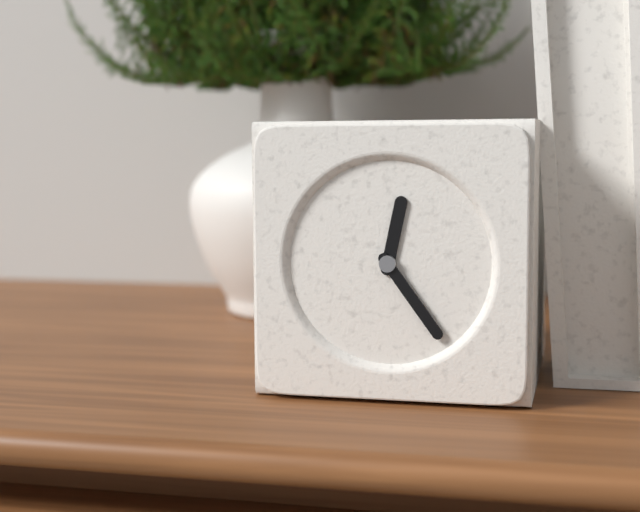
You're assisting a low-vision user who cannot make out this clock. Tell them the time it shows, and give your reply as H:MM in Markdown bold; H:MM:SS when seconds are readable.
**12:24**
